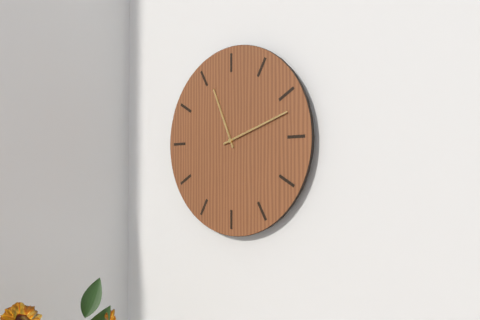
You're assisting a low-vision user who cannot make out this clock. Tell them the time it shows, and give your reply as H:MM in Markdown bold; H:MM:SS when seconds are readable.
**11:12**
